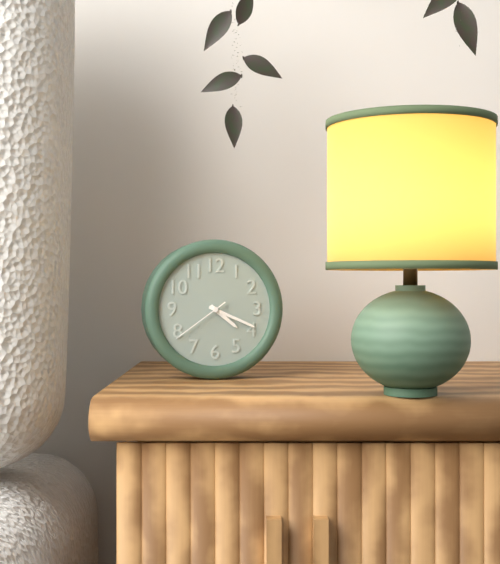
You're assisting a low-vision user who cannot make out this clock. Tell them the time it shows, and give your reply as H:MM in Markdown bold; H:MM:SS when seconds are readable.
**4:19:39**
